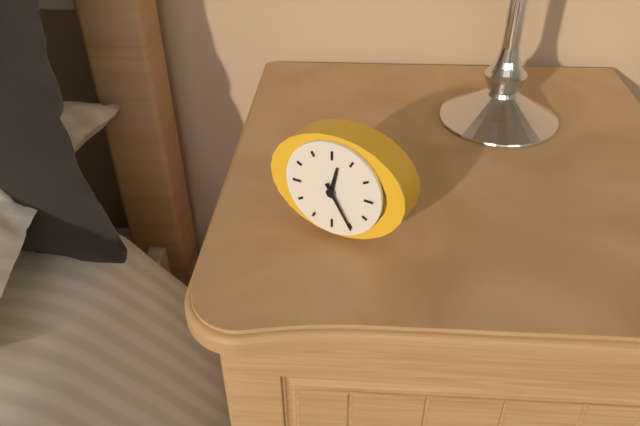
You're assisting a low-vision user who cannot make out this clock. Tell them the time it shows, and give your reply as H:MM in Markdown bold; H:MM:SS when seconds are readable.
**12:25**
